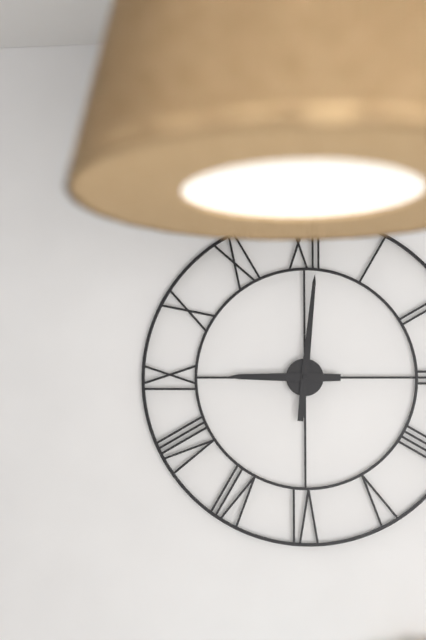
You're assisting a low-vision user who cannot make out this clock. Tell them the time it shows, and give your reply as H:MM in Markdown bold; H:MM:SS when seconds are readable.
**9:01**
